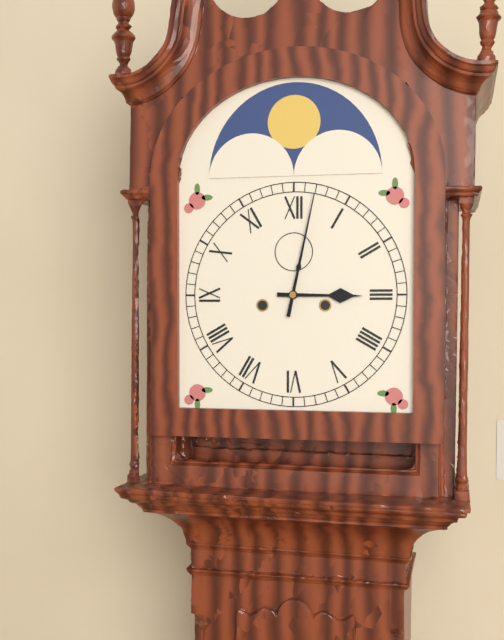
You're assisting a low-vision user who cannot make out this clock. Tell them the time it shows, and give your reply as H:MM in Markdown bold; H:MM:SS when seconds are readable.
**3:02**
